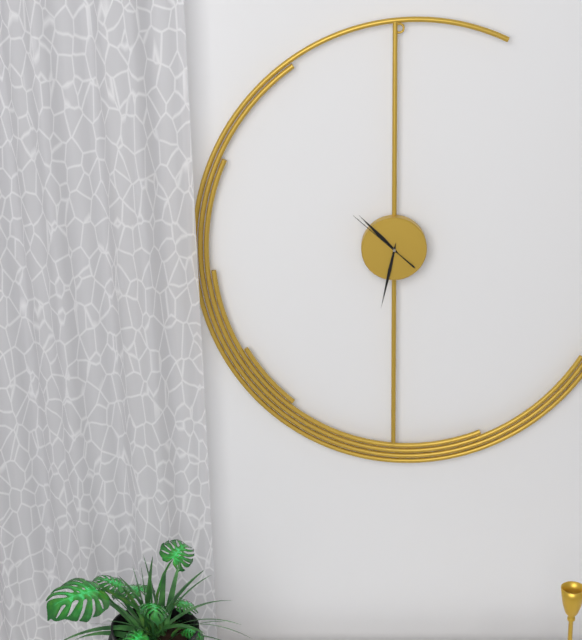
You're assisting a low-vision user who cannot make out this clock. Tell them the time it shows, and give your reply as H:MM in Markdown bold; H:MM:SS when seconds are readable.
**10:32:52**
